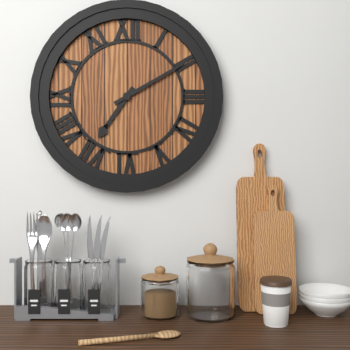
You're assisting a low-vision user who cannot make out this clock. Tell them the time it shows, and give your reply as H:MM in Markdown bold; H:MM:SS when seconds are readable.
**7:10**
